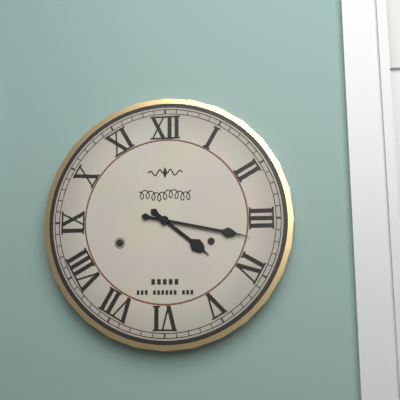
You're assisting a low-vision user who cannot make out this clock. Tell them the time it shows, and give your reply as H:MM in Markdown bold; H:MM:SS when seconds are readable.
**4:17**
